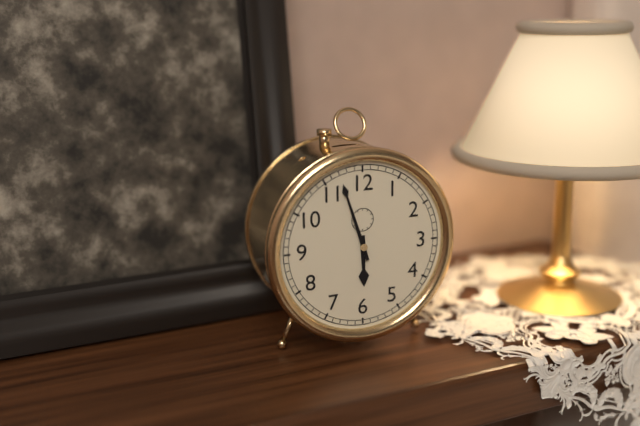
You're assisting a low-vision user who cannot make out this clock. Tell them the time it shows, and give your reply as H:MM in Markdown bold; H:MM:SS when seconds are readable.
**5:57**
